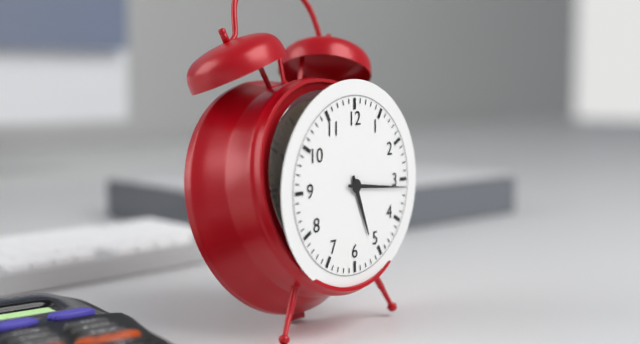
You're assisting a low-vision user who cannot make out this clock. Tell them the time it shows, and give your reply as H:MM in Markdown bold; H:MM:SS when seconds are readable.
**5:16**
